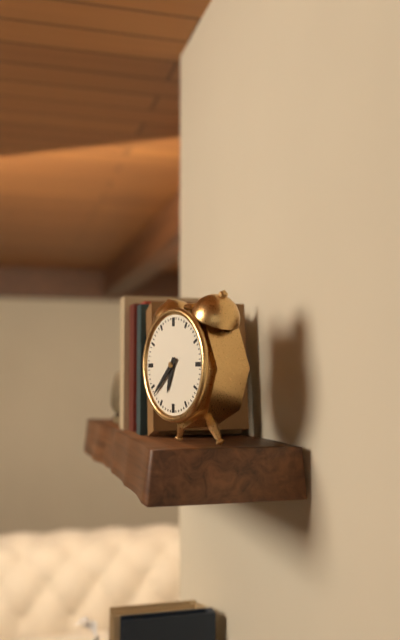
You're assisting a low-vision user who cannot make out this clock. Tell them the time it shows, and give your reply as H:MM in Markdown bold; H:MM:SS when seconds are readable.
**6:38**
